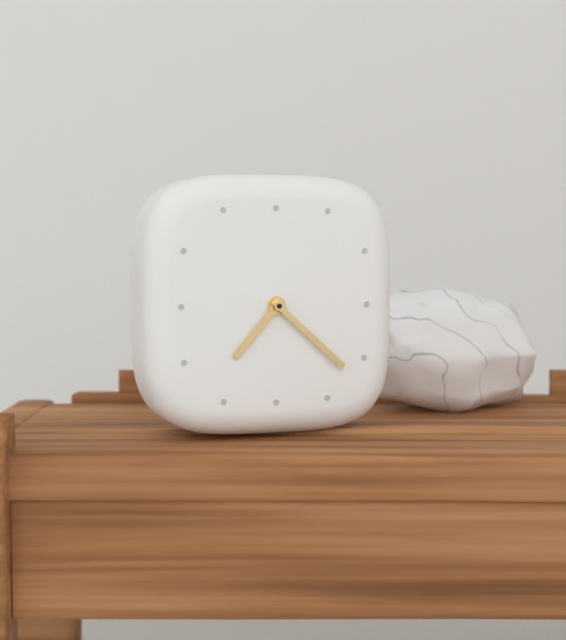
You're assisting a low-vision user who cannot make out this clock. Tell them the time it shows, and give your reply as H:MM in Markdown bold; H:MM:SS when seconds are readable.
**7:22**
